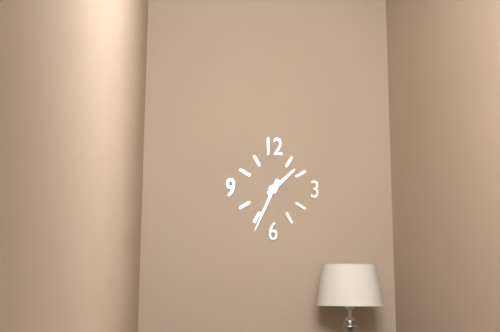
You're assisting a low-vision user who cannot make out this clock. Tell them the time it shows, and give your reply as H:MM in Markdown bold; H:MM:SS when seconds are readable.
**1:34**
